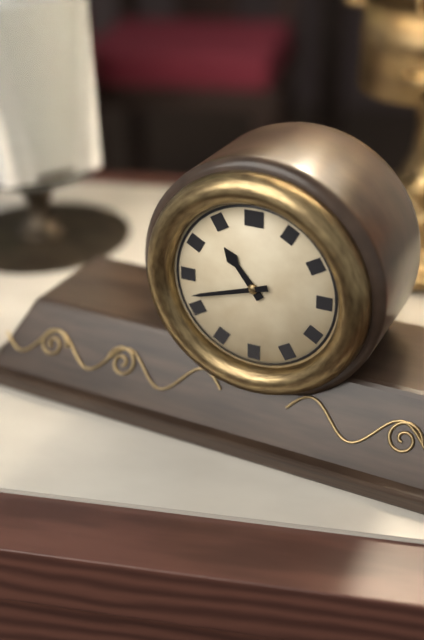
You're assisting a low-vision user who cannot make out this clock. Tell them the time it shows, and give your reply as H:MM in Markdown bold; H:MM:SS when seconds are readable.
**10:42**
